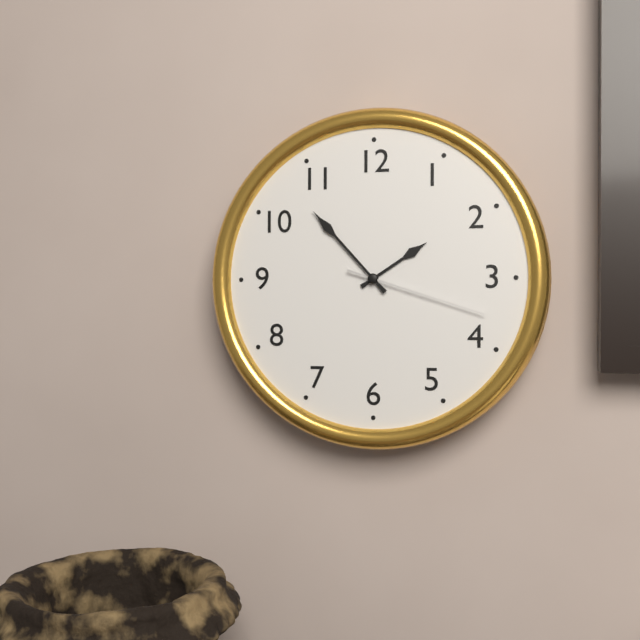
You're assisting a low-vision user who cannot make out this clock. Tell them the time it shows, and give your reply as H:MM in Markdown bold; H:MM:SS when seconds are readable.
**1:53:18**
